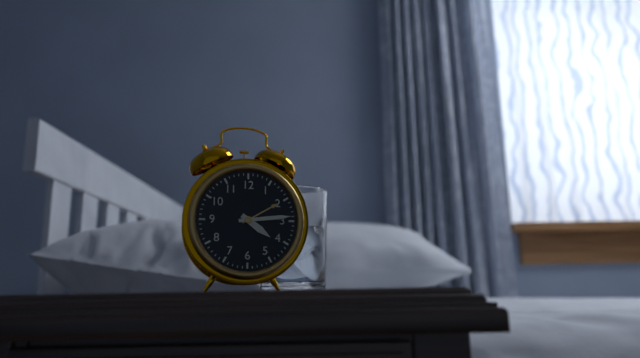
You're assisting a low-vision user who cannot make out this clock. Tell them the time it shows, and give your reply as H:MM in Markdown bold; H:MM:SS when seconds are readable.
**4:14**
